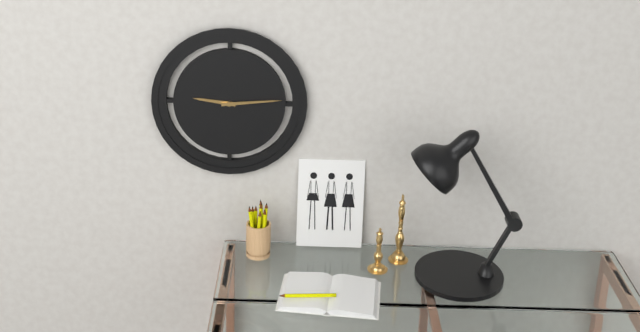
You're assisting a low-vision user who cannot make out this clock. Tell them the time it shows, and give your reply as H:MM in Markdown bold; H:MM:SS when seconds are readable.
**9:14**
